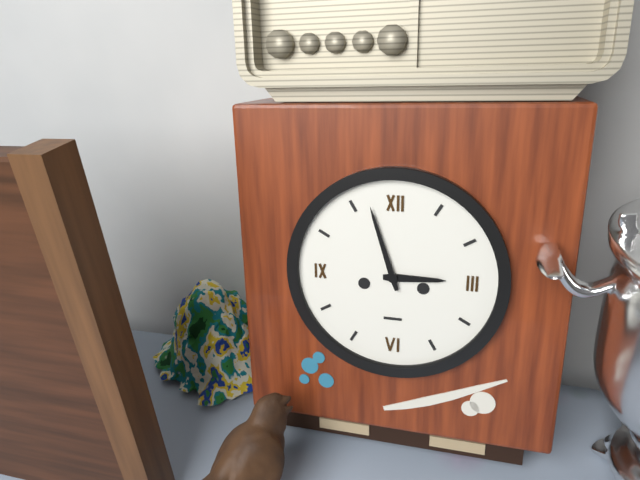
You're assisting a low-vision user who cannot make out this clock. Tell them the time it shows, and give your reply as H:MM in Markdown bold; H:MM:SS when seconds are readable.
**2:57**
